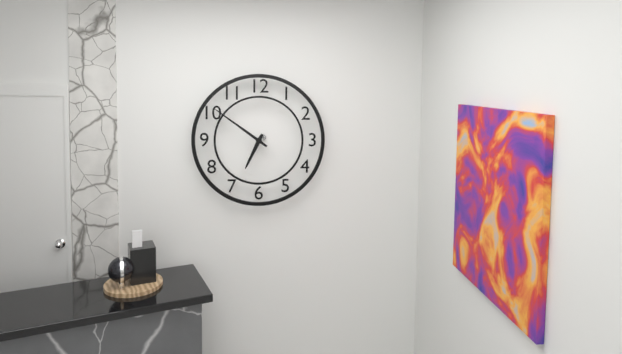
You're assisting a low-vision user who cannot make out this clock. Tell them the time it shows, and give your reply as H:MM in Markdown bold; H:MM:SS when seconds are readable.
**6:51**
